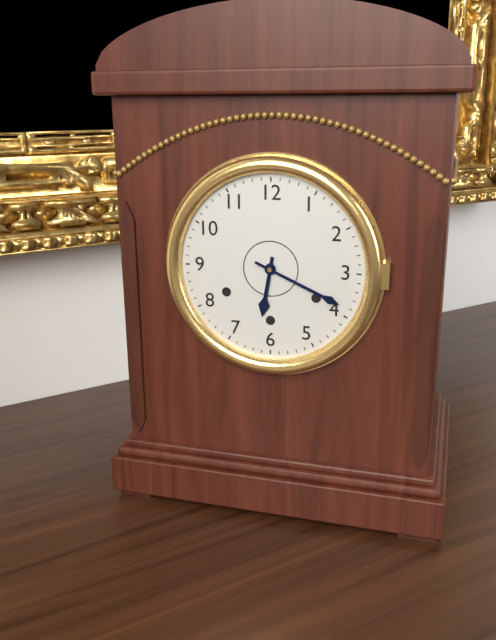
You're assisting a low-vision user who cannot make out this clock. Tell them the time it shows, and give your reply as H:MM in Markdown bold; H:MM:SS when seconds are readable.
**6:19**
